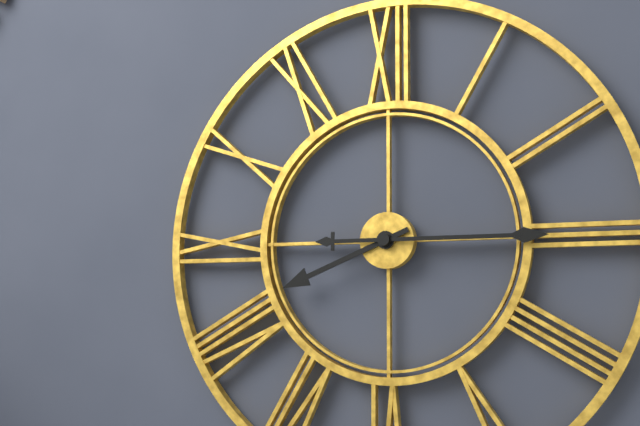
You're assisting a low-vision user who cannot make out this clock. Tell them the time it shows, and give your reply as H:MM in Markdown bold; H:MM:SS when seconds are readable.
**8:15**
